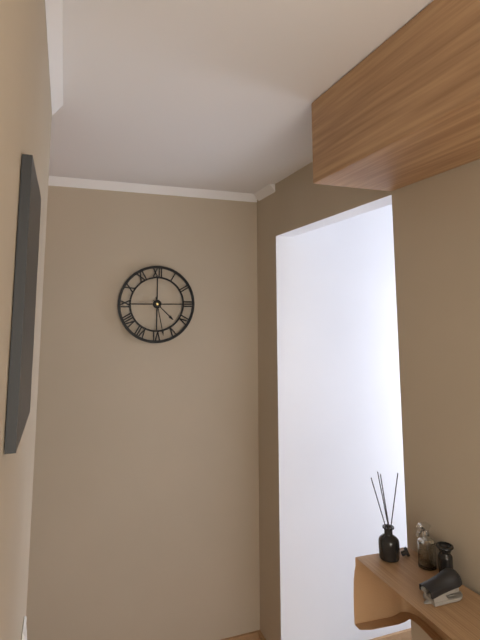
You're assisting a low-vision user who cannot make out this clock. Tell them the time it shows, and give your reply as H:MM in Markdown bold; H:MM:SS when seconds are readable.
**4:28**
